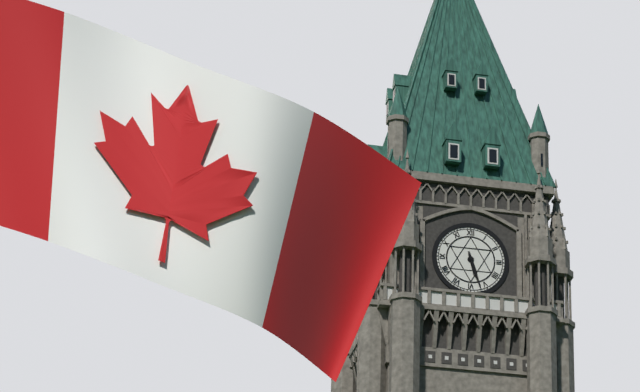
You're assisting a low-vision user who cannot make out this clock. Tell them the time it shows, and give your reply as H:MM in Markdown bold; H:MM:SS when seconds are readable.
**5:27**
